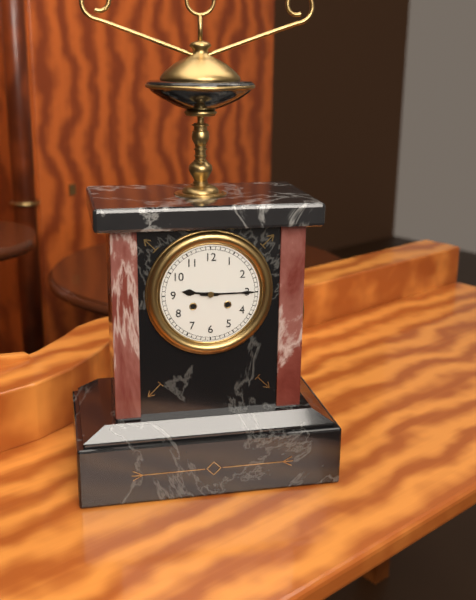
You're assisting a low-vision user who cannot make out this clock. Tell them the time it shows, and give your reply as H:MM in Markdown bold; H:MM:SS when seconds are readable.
**9:15**
